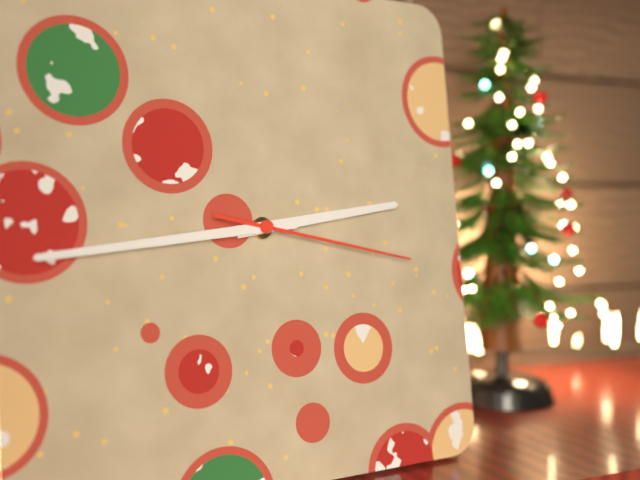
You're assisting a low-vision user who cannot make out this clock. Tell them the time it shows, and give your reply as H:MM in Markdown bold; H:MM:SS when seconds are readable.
**2:44:17**
